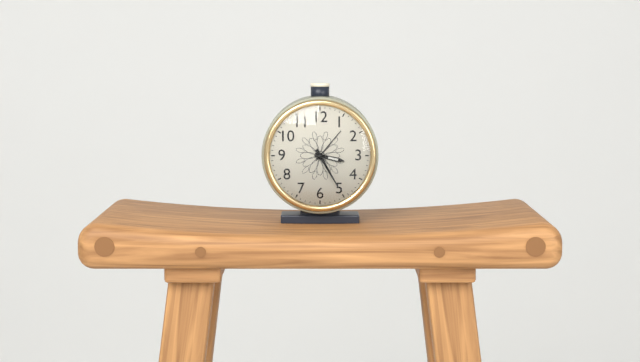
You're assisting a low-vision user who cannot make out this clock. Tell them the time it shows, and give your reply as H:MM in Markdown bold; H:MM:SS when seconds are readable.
**3:25**
